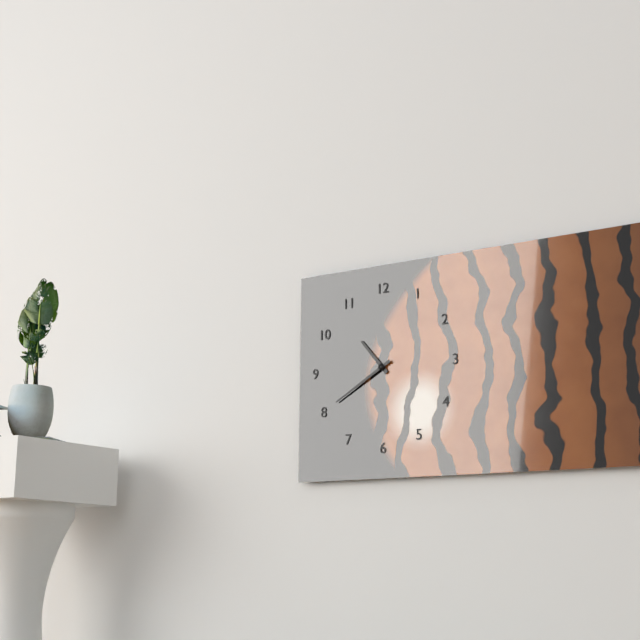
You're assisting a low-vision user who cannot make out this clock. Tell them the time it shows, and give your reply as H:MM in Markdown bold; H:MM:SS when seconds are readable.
**10:40**
